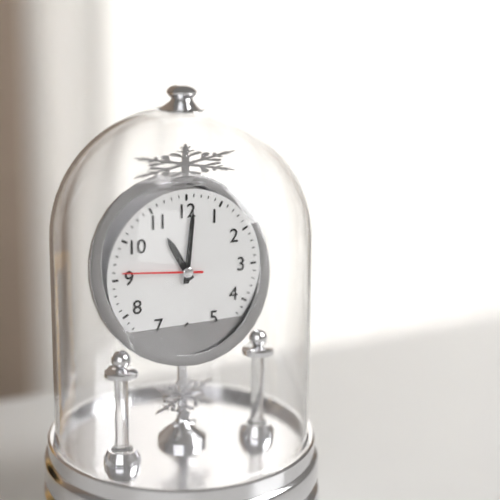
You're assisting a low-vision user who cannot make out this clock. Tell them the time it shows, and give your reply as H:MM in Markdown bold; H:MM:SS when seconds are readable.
**11:01:46**
